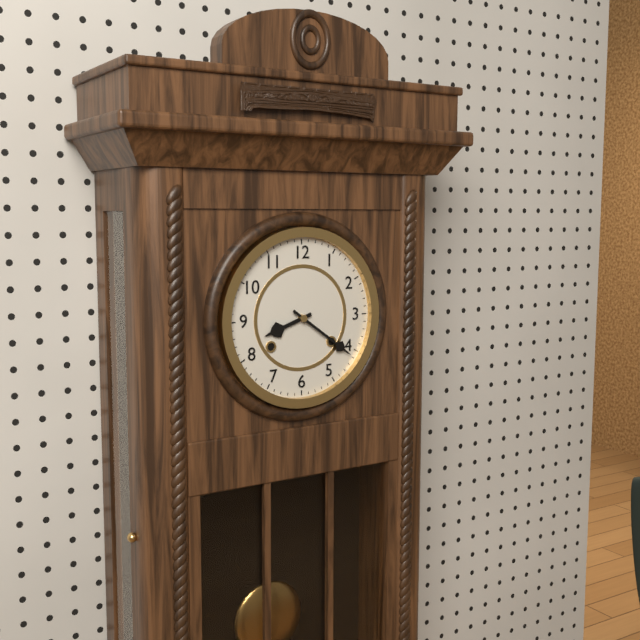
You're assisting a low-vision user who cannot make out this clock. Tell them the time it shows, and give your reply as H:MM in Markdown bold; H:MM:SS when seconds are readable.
**8:21**
